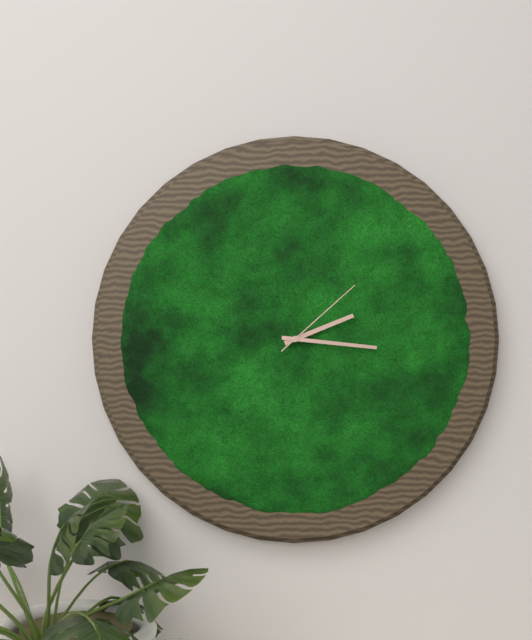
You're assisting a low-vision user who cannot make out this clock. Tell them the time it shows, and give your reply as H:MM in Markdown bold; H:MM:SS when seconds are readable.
**2:16:08**
